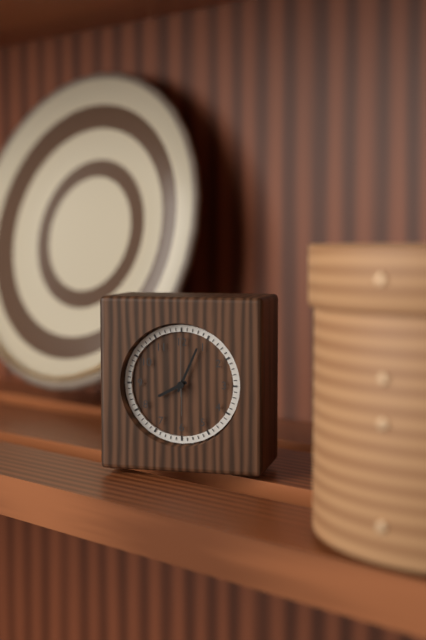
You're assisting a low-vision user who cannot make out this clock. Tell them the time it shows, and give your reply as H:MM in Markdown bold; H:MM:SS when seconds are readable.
**8:04:00**
